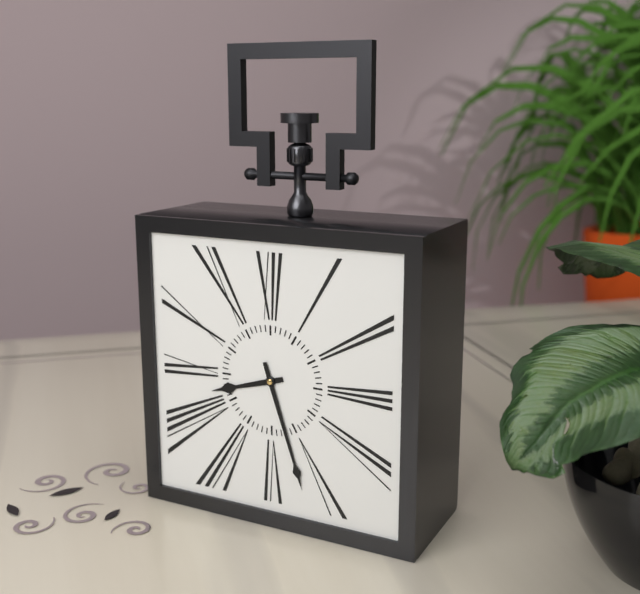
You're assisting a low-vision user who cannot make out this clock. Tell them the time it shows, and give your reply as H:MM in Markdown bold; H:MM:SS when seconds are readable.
**8:27**
